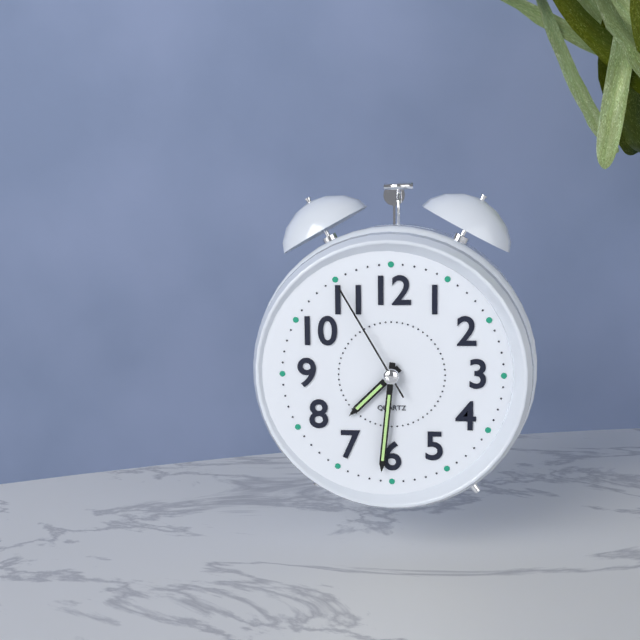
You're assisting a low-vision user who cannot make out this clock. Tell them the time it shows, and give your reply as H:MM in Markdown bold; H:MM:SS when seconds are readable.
**7:31:55**
